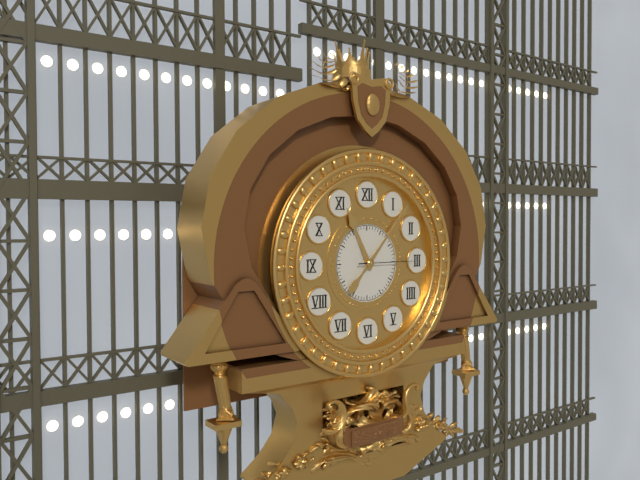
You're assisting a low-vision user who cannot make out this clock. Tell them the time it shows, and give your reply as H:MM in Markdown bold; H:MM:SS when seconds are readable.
**11:07:15**
